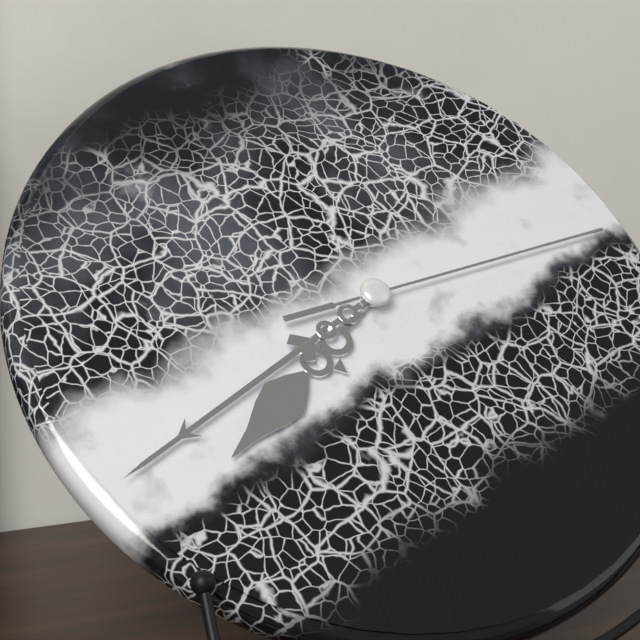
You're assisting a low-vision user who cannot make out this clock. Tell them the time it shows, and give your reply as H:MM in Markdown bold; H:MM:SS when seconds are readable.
**7:40:13**
